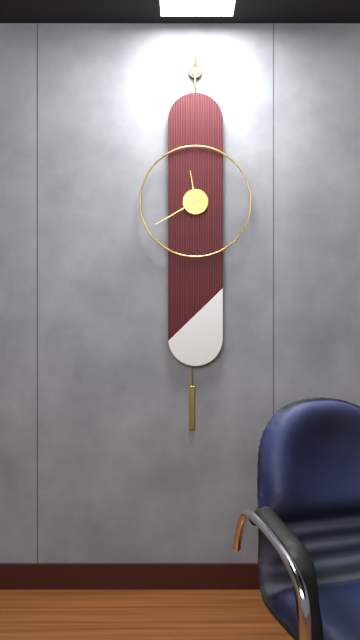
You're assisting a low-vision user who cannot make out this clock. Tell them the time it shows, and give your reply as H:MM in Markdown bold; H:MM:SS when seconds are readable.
**11:40**
